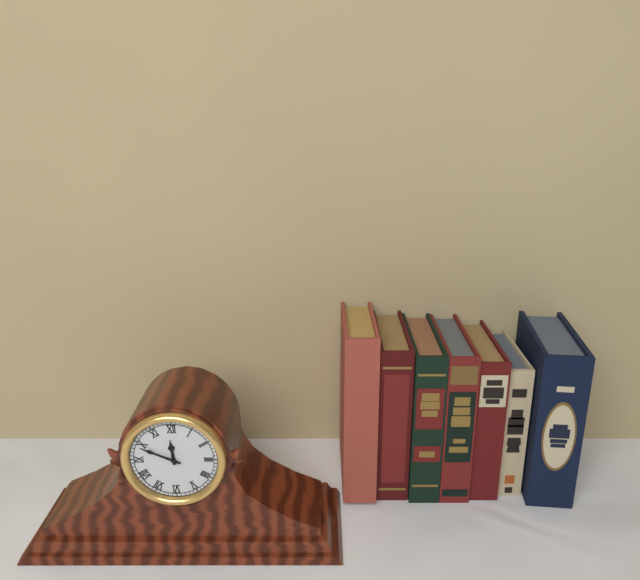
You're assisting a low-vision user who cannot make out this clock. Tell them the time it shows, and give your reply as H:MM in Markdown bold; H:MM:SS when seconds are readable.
**11:49**
